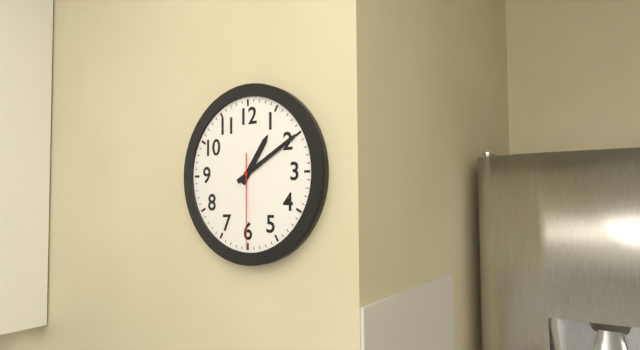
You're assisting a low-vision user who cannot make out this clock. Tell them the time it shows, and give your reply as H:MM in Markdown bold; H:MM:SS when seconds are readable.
**1:10:30**
